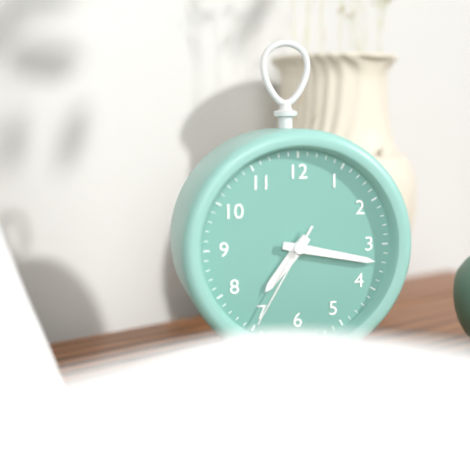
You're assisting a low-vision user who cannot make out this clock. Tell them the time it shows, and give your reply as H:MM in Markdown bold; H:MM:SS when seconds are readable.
**7:17:35**
